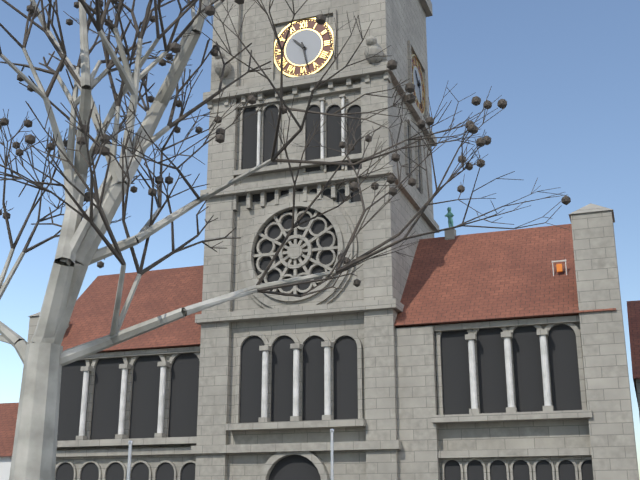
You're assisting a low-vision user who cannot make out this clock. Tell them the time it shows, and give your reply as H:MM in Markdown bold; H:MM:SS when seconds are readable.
**10:28**
